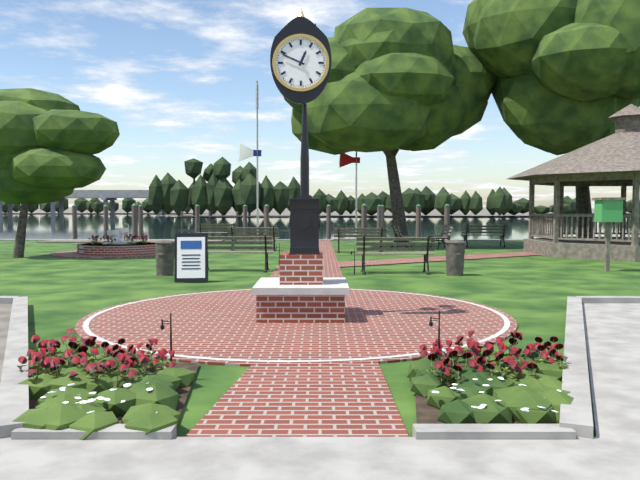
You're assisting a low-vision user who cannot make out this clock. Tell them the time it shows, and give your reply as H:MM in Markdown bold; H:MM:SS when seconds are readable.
**12:49**
